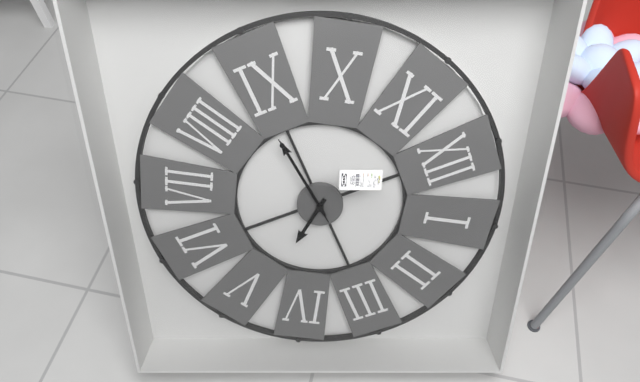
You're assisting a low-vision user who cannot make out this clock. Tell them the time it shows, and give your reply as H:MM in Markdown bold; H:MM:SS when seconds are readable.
**4:44:44**
